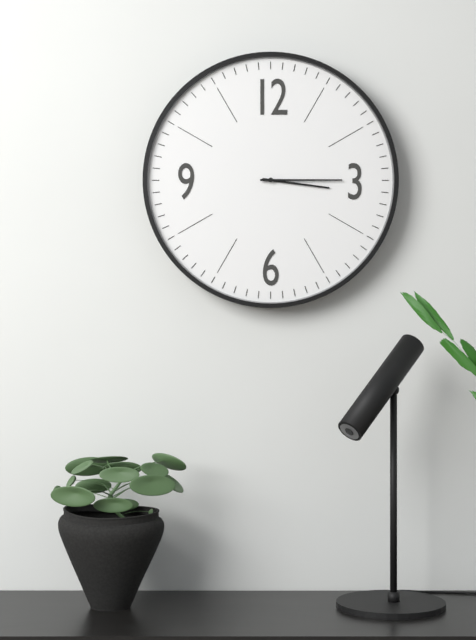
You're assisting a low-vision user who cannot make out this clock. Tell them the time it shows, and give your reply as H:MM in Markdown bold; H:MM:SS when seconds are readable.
**3:15**
